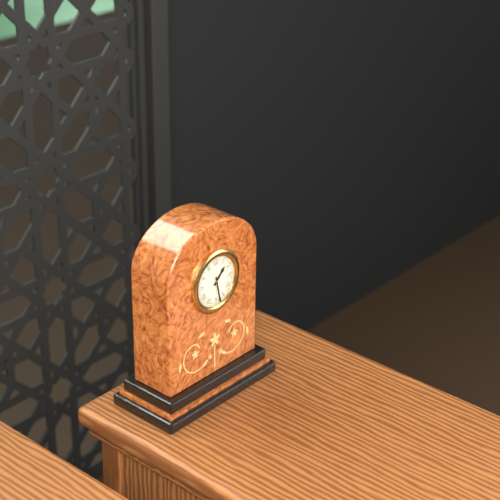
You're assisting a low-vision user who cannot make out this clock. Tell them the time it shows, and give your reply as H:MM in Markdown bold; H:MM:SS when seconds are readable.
**1:28**
